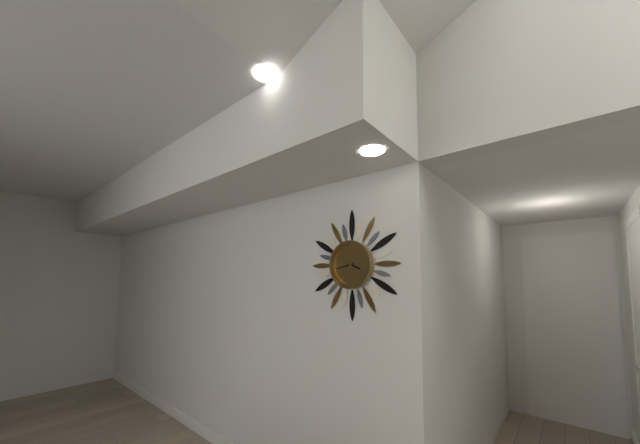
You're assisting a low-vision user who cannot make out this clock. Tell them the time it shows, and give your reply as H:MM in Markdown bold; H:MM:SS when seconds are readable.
**3:43**
